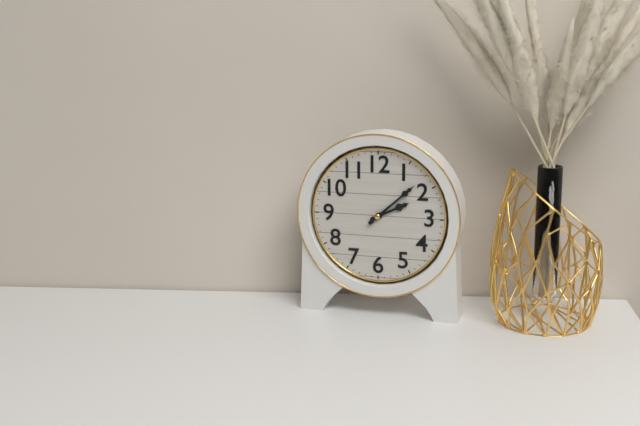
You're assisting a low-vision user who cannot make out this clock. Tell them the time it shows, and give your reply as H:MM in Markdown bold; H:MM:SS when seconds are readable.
**2:08**
